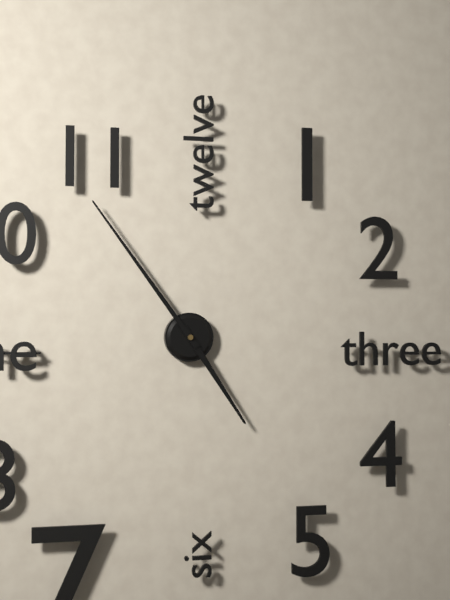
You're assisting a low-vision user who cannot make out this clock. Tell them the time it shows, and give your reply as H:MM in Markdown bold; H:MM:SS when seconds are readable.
**4:54**
